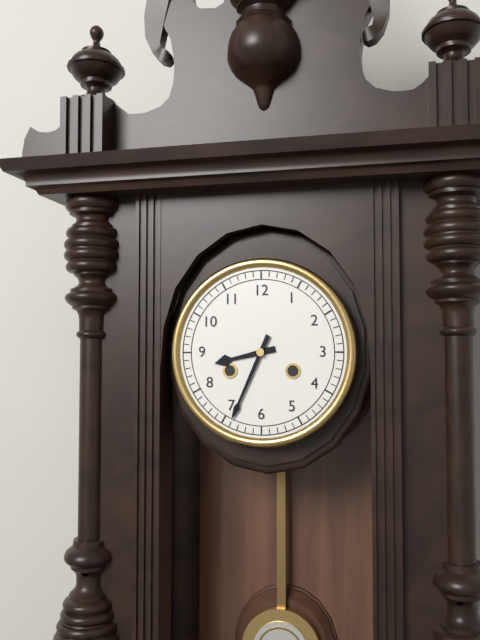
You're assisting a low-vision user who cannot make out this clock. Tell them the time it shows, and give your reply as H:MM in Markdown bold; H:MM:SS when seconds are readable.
**8:34**
